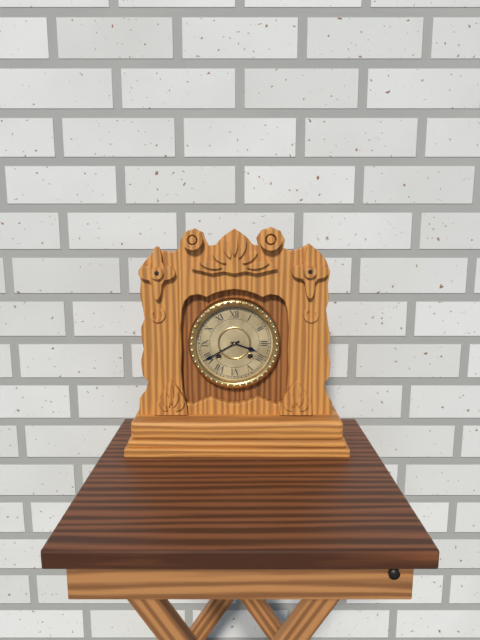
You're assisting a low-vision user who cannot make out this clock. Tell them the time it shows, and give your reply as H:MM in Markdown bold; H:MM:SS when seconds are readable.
**3:40**
